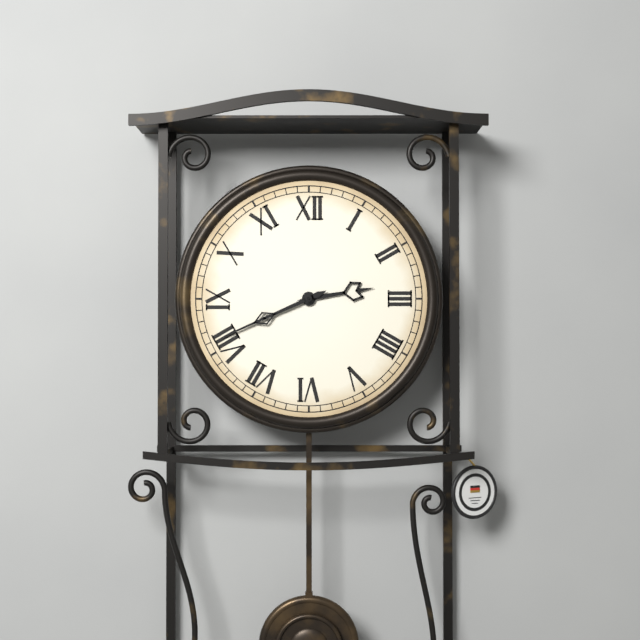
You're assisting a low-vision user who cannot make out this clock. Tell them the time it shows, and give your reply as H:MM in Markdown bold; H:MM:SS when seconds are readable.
**2:41**
